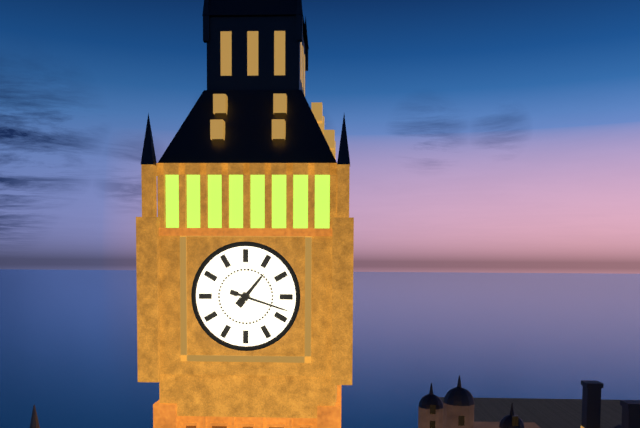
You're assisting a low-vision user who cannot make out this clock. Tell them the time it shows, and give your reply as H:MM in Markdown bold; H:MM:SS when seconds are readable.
**1:18**
